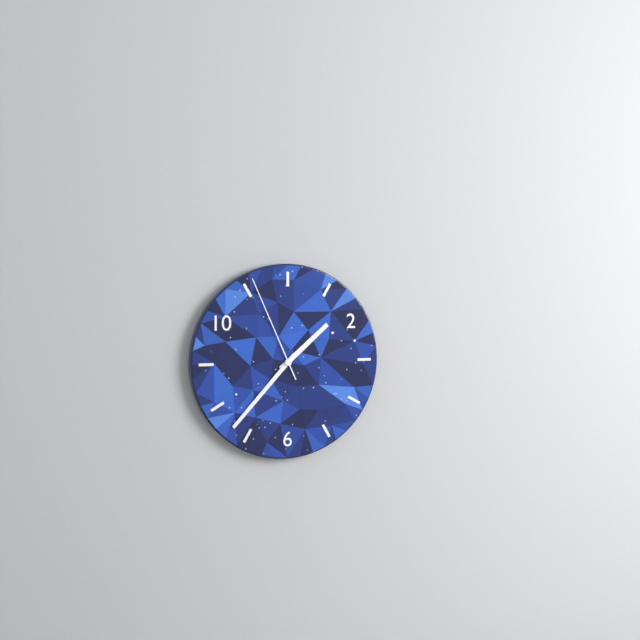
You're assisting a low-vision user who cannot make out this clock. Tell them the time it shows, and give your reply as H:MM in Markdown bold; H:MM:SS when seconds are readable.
**1:37:56**
